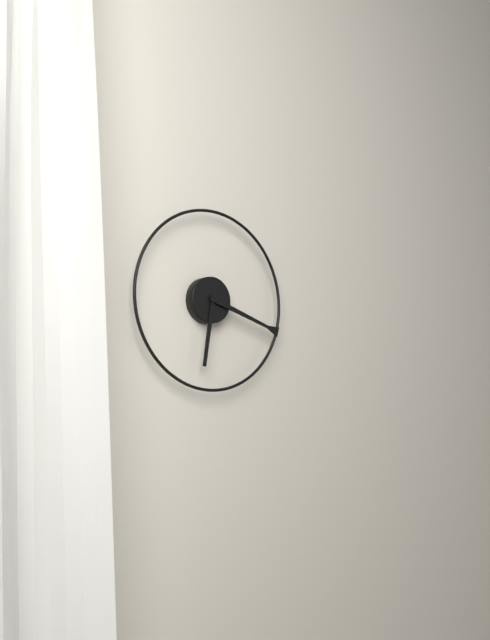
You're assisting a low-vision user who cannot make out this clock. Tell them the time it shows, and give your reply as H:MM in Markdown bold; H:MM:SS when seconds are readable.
**6:18**
